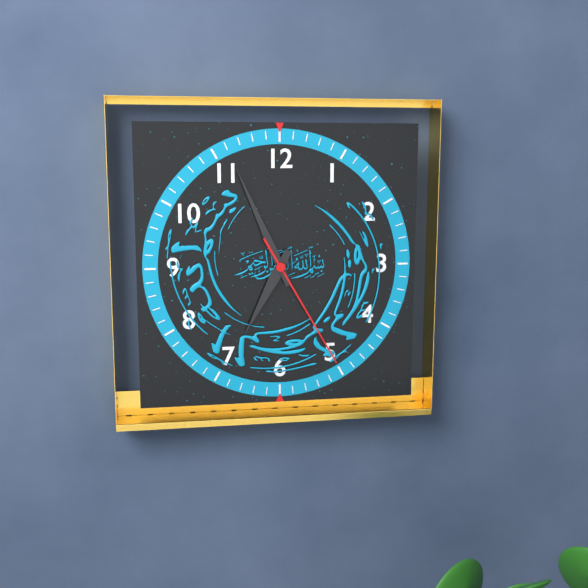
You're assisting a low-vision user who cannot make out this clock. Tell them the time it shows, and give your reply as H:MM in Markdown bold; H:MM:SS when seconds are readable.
**6:56:25**
